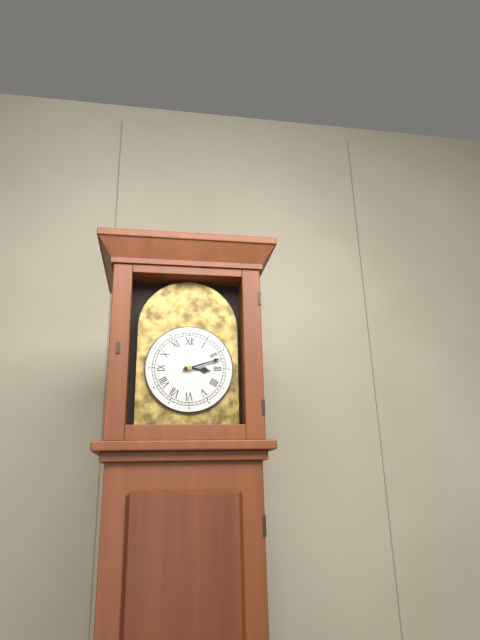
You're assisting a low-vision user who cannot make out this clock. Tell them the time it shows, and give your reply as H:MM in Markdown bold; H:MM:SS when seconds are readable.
**3:12**
